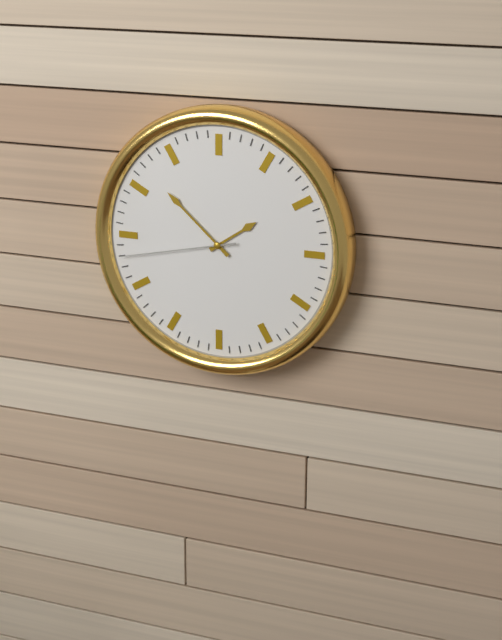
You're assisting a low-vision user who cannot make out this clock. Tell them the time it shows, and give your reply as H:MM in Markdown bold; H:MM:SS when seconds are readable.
**1:52:43**
